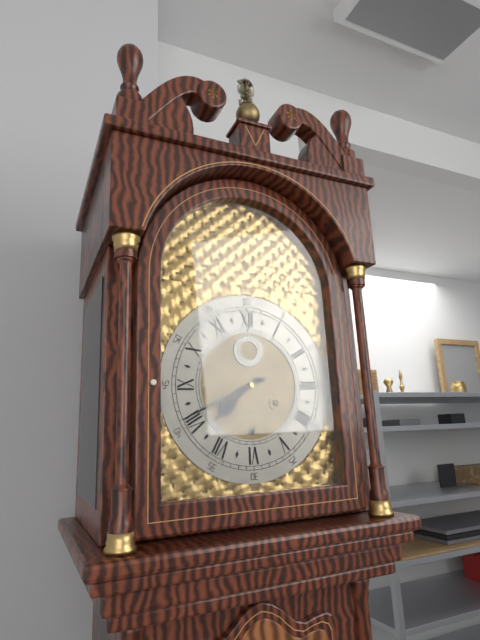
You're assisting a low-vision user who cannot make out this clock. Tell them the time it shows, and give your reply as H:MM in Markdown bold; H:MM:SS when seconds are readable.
**7:41**
